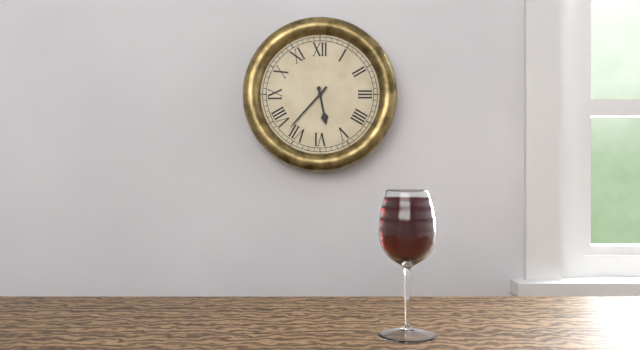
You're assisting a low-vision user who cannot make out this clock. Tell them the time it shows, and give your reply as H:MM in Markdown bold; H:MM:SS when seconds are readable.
**5:37**
